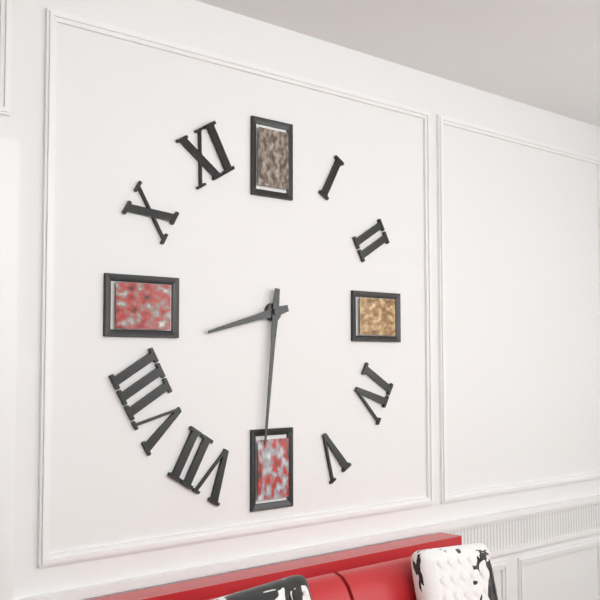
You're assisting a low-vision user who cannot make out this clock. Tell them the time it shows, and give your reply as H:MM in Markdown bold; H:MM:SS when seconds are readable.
**8:31**
